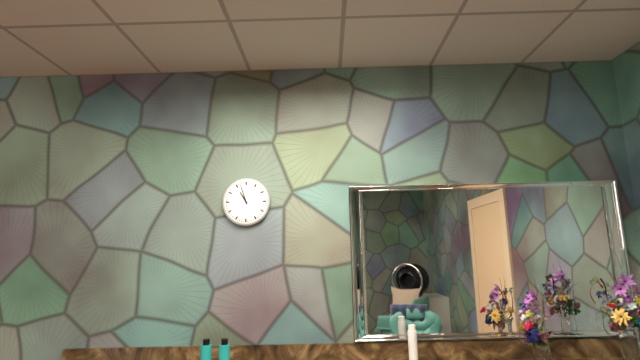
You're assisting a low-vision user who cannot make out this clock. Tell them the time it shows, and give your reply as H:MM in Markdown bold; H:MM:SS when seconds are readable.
**10:57**
